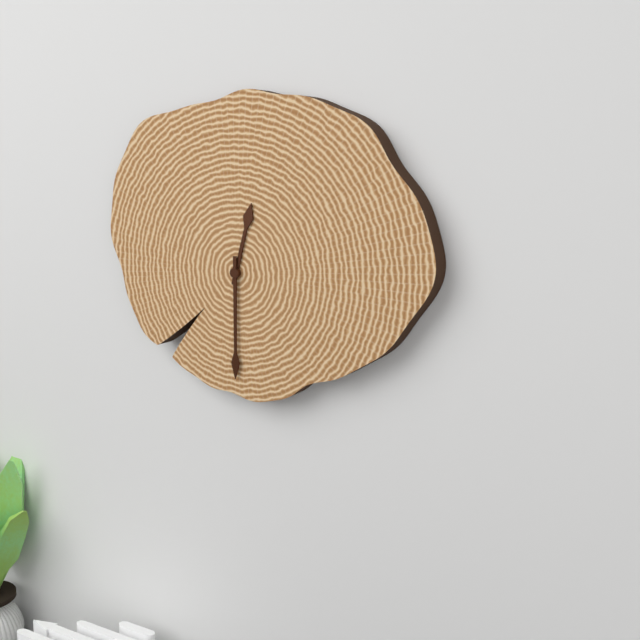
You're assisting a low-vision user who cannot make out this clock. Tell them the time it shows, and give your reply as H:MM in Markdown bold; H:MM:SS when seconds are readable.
**12:30**
